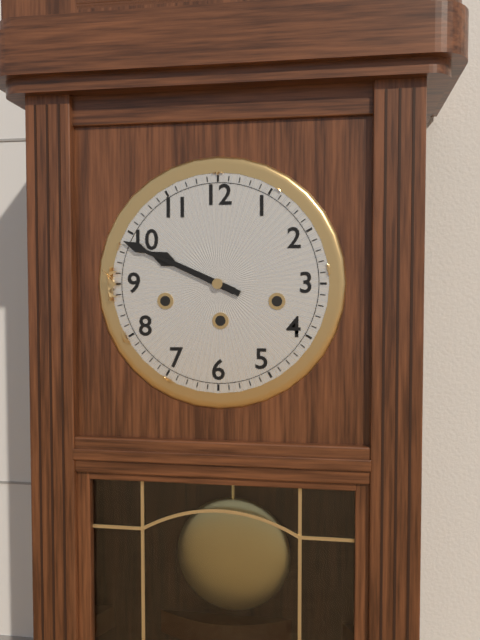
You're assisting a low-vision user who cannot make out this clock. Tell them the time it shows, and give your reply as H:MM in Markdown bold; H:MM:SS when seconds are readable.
**9:49**
